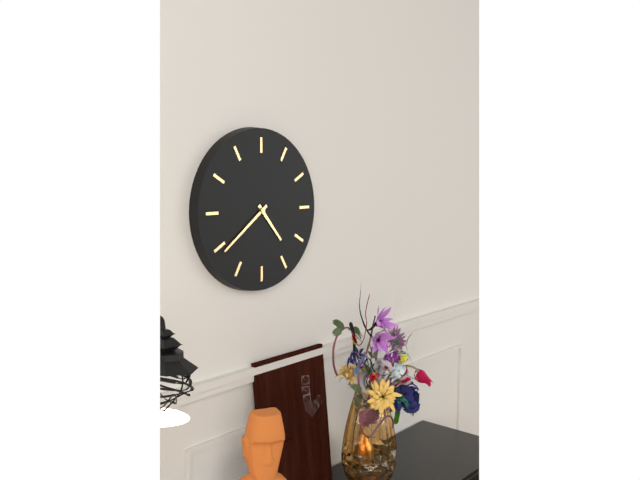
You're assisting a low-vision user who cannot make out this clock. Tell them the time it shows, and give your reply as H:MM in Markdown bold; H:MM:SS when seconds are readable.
**4:39**
